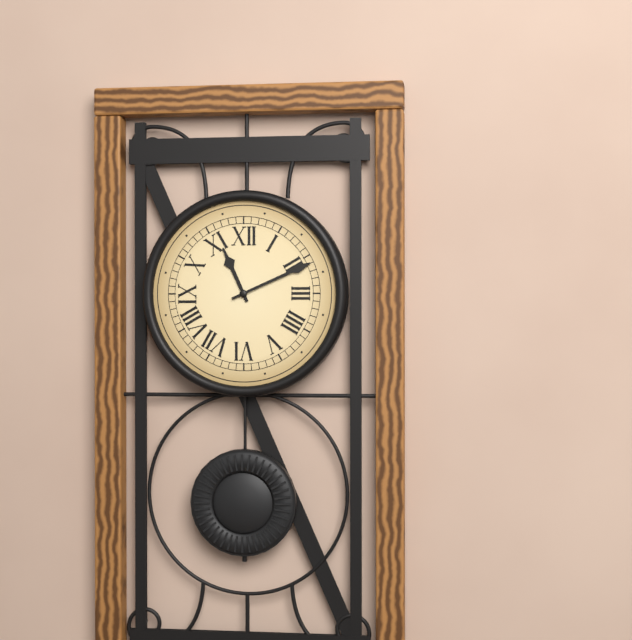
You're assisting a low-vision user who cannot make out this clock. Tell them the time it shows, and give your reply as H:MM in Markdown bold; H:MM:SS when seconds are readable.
**11:11**
